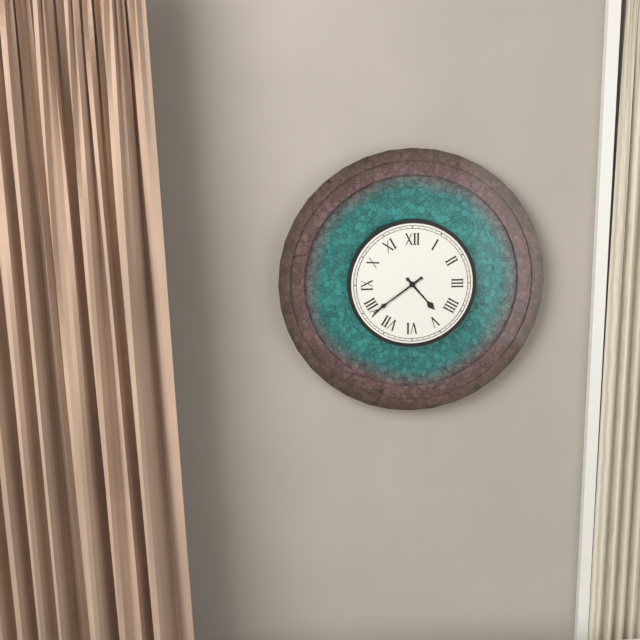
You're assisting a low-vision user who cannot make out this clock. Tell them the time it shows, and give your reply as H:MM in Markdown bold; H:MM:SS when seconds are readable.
**4:39**
